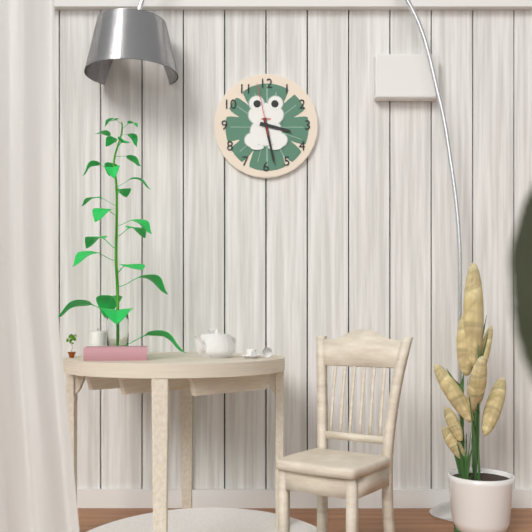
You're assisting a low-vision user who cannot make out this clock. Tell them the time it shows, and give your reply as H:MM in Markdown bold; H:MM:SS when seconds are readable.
**3:28:58**
